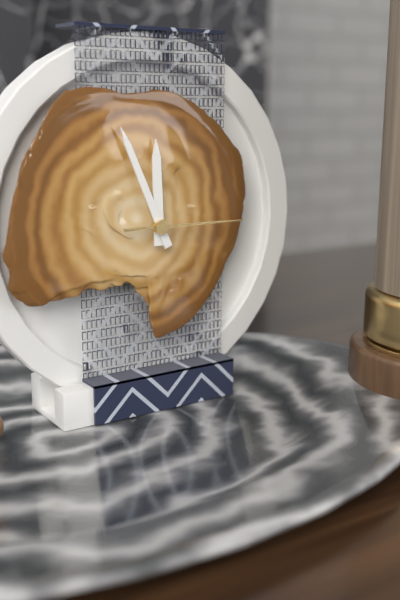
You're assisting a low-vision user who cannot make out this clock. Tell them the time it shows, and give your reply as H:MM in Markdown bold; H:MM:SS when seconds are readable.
**11:56:15**
